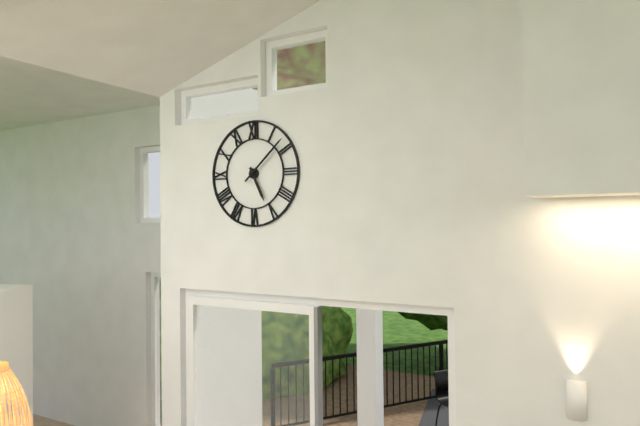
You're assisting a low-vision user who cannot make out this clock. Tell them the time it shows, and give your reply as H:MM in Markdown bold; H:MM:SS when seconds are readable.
**5:08**
